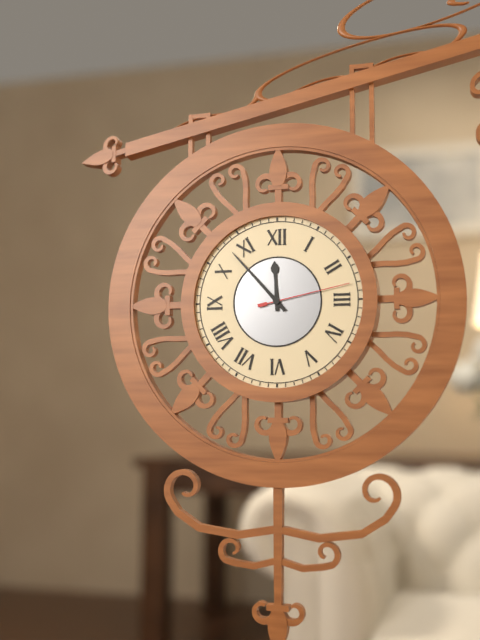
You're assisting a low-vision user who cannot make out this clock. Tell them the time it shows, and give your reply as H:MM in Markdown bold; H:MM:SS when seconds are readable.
**11:53:13**
